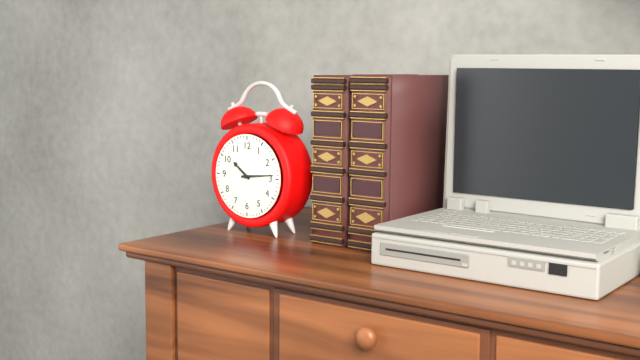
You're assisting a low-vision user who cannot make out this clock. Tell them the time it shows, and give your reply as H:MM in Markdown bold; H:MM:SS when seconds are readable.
**10:14**
